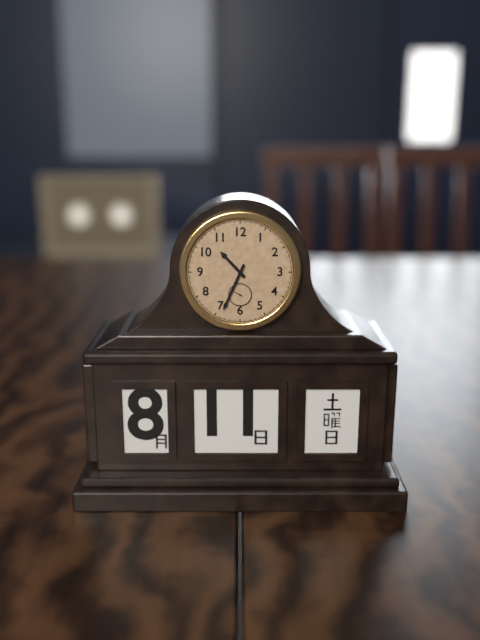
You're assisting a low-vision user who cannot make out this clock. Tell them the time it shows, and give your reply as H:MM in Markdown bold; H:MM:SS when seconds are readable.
**10:34**
